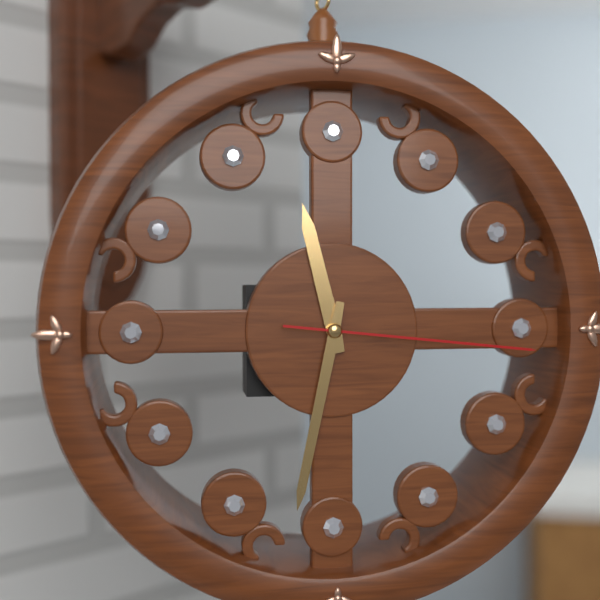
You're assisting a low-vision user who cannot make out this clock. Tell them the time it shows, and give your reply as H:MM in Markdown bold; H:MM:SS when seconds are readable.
**11:32:16**
